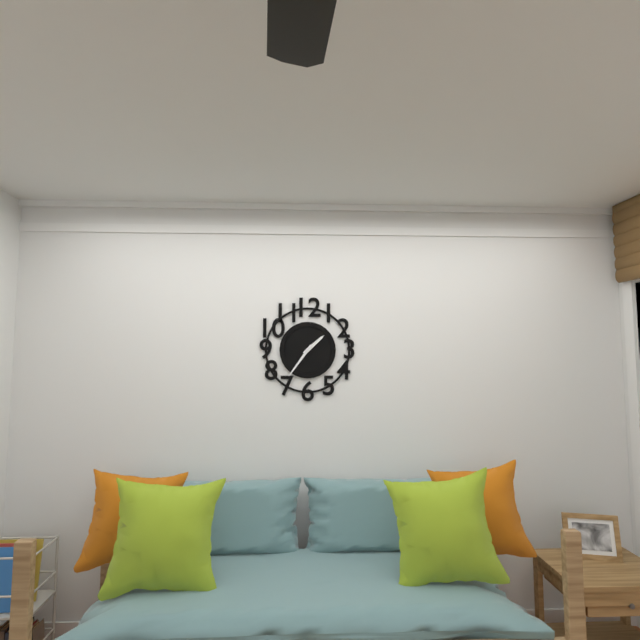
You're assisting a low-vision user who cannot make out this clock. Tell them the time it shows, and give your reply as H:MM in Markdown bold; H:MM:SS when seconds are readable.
**1:36**
